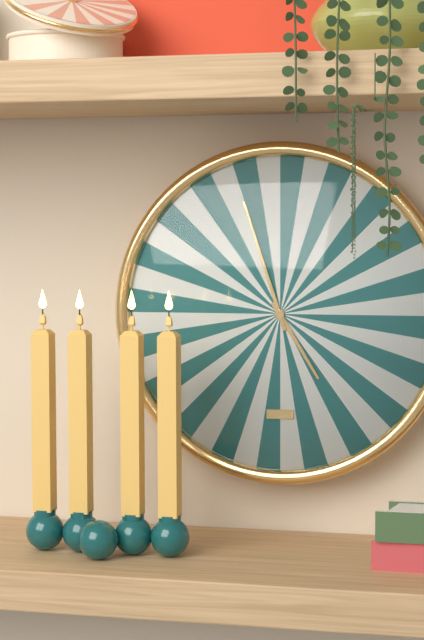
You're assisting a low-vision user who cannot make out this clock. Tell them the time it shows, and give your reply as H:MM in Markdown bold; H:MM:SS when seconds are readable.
**4:57**
